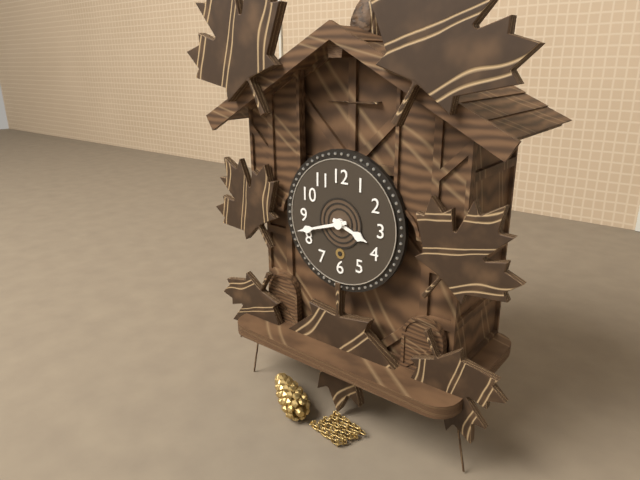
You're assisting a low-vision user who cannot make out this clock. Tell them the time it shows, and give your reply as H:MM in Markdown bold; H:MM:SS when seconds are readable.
**3:42**
